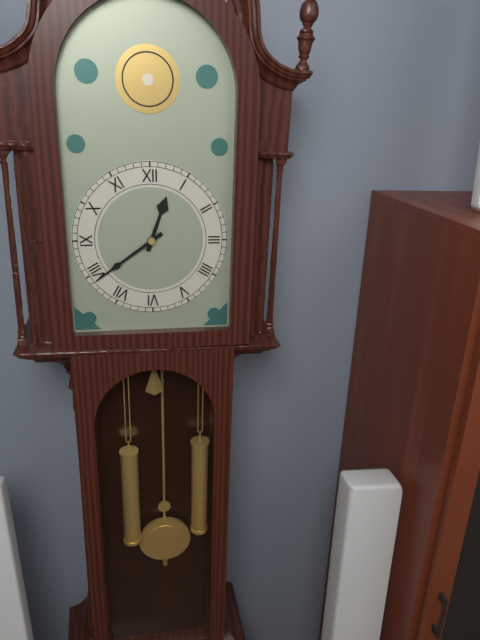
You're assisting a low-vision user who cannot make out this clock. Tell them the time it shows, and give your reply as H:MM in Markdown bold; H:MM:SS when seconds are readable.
**12:39**
